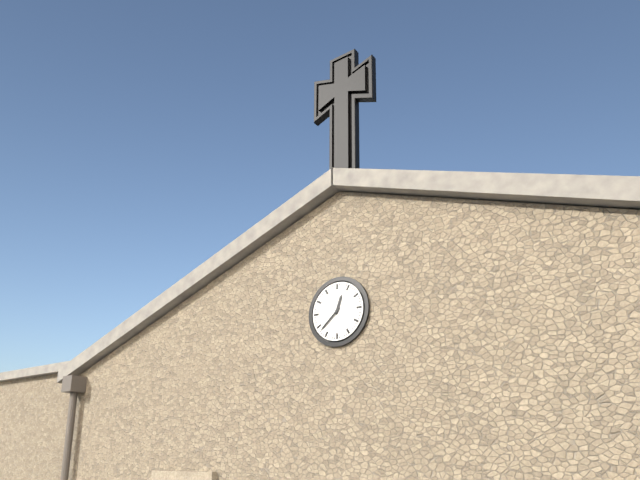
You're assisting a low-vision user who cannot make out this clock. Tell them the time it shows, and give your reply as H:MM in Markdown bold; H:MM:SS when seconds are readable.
**12:38**
